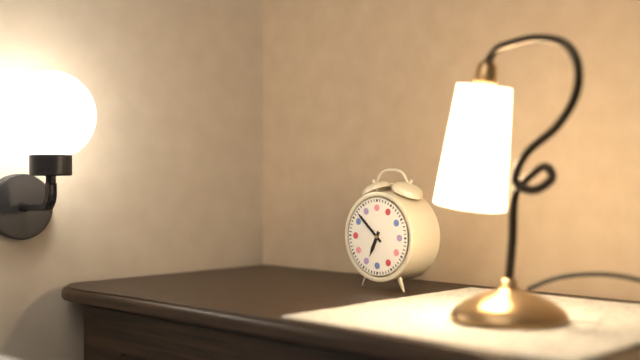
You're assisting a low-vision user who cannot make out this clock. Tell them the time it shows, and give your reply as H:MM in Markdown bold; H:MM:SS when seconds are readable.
**6:52**
